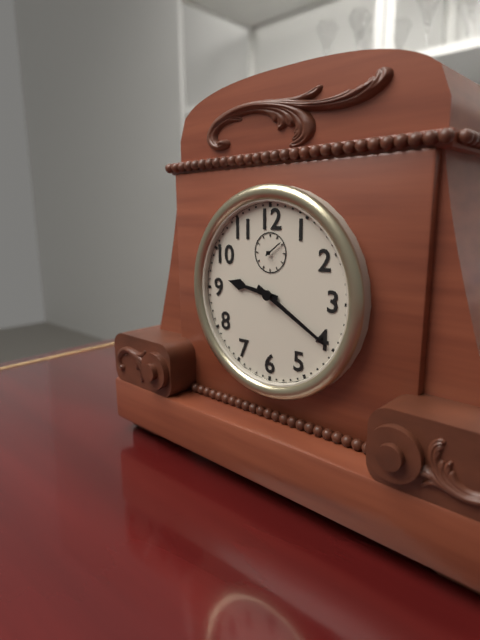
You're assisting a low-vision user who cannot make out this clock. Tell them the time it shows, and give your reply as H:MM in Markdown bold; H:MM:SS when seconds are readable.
**9:20**
